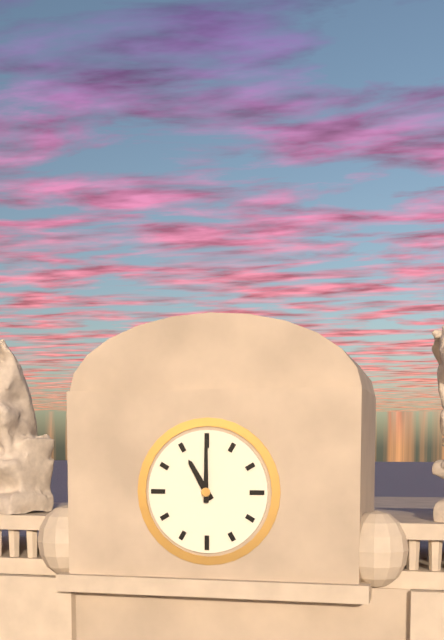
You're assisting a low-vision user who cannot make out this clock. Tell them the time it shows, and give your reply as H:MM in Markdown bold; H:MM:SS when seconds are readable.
**11:00**
